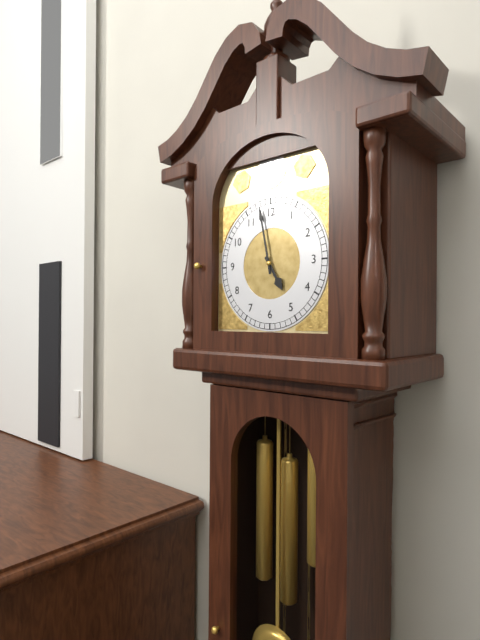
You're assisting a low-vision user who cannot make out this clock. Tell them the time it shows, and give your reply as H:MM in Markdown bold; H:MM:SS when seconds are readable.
**4:58**
